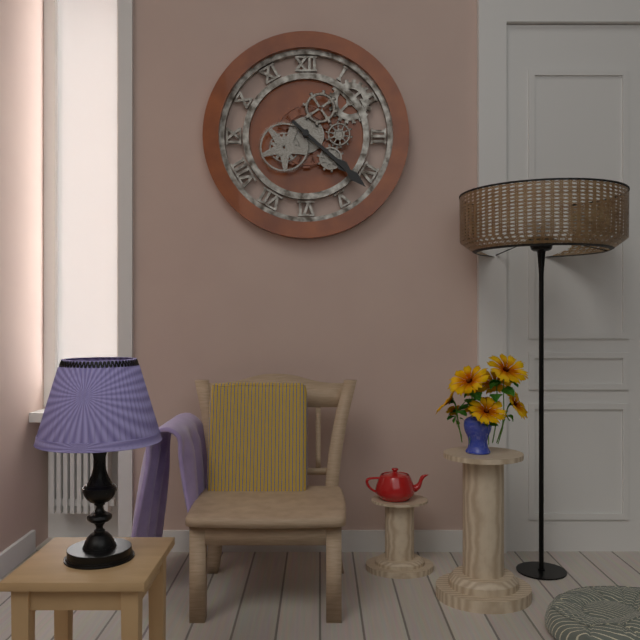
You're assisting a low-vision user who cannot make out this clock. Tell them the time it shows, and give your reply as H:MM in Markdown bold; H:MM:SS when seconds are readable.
**4:22**
